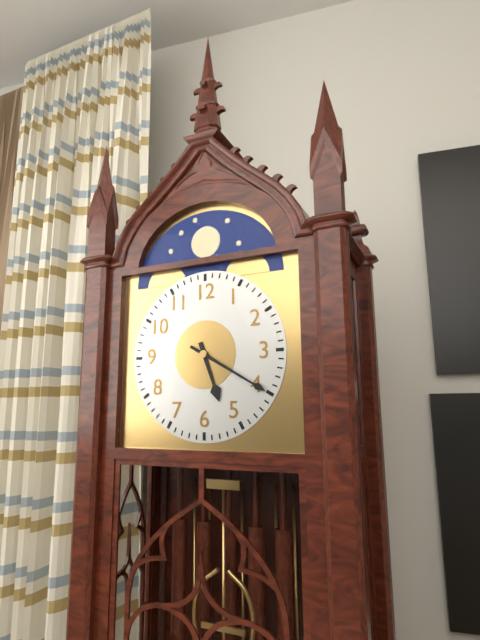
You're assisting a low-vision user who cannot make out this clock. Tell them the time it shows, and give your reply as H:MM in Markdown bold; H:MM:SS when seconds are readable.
**5:20**
